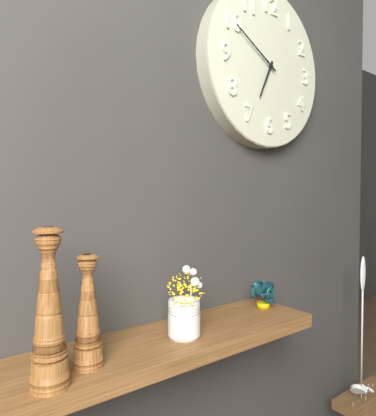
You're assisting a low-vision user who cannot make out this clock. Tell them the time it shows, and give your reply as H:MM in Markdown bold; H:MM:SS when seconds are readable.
**6:50**
